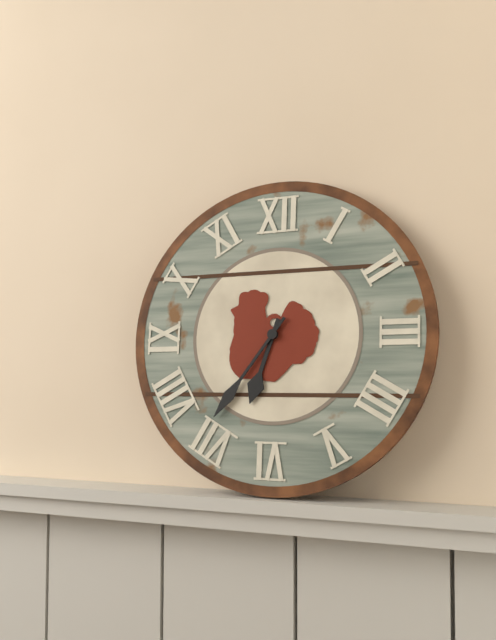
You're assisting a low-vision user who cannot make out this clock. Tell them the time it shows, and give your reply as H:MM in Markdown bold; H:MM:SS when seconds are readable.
**6:36**
